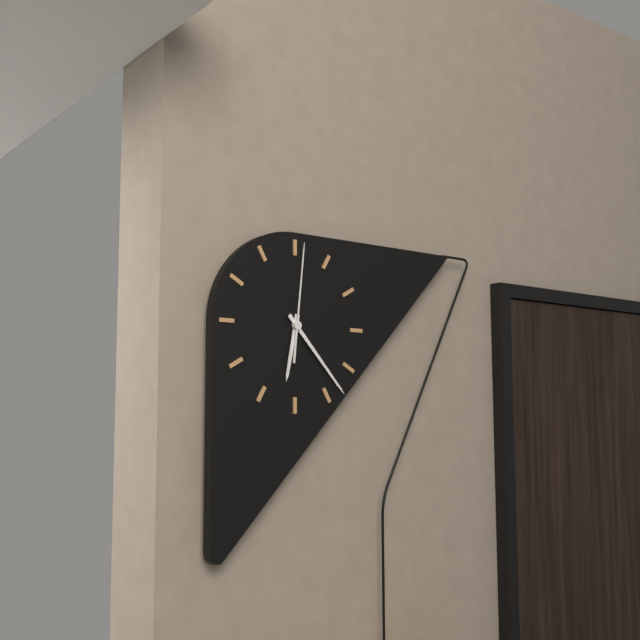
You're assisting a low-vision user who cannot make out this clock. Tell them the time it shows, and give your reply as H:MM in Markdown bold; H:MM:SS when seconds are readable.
**6:23:01**
